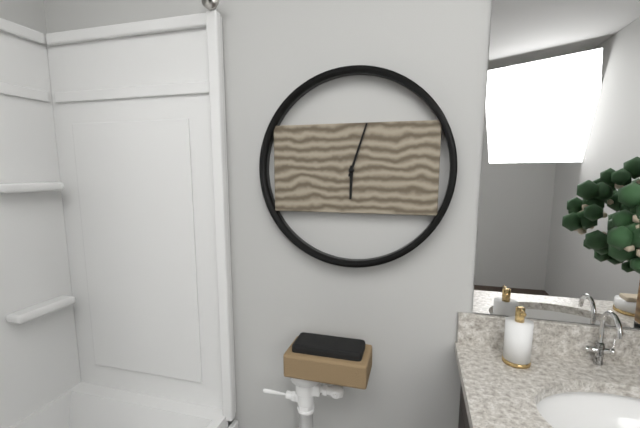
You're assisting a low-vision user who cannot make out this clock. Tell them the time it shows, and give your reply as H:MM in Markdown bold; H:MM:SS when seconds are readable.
**6:03**
